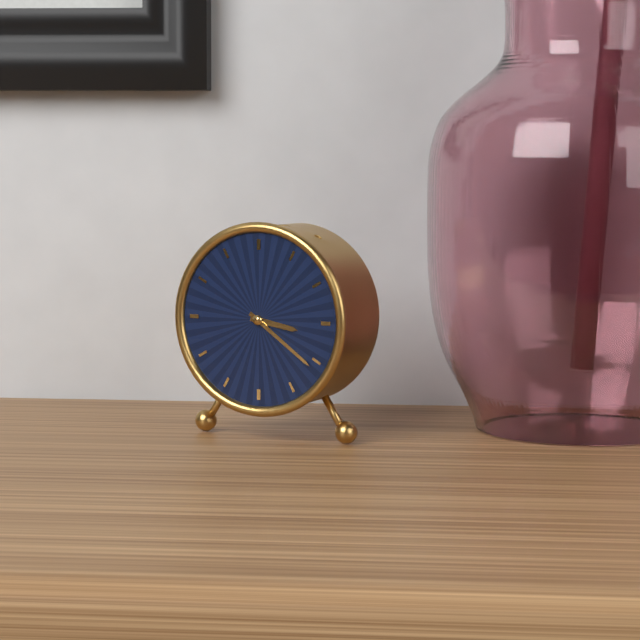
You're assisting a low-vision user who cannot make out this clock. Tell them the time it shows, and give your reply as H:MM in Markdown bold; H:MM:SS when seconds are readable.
**3:21**
